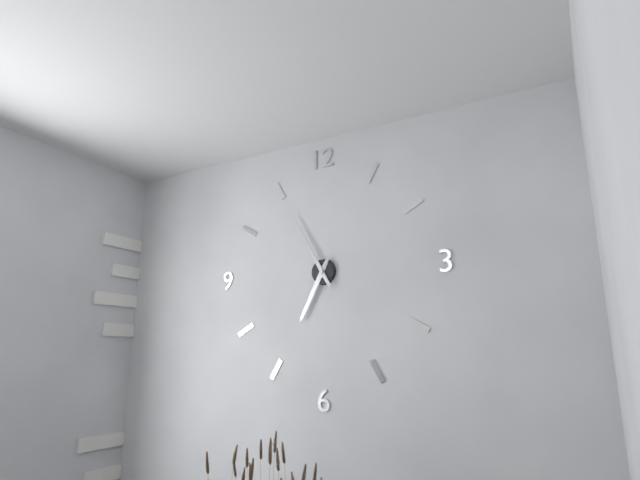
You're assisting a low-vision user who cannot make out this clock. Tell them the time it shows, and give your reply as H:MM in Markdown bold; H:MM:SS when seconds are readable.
**6:55**
